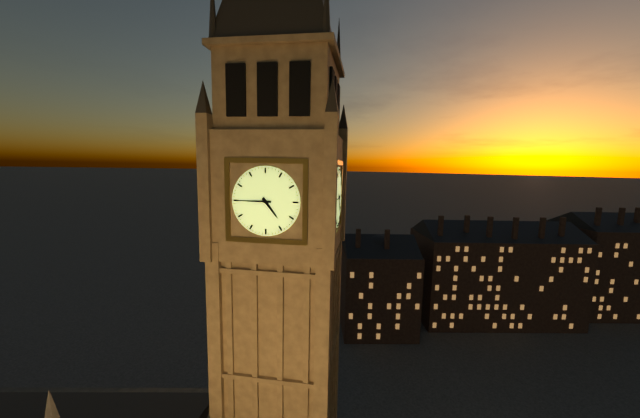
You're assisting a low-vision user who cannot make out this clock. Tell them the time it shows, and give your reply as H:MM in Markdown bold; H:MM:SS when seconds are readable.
**4:45**
